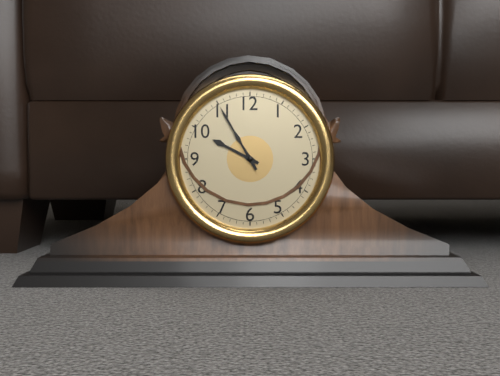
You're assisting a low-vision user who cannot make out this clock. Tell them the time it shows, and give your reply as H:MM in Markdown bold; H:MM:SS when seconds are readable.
**9:55**
